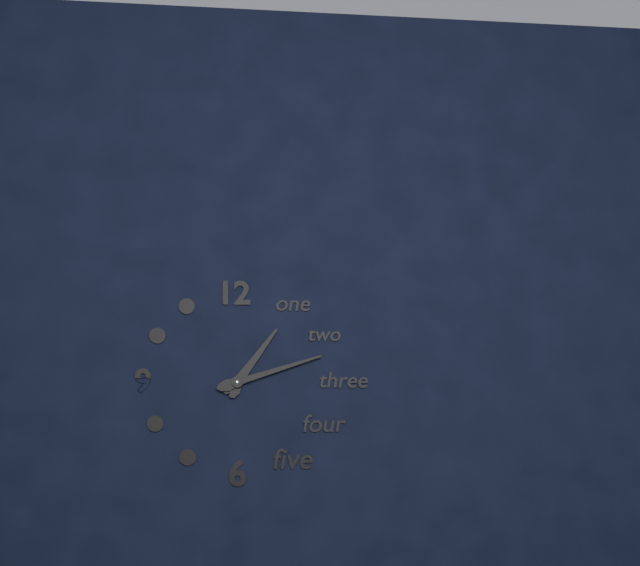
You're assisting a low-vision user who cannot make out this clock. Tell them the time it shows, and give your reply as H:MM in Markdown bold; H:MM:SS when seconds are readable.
**1:12**
